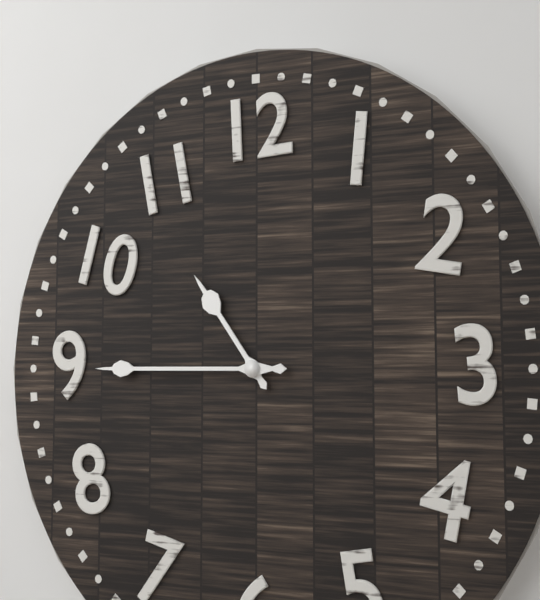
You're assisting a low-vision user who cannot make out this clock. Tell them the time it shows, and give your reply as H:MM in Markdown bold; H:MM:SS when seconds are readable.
**10:45**
